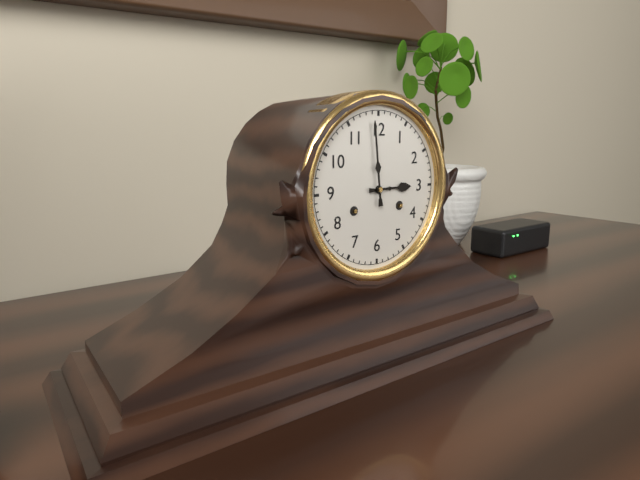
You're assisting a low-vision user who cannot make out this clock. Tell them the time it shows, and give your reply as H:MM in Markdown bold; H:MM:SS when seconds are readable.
**2:59**
